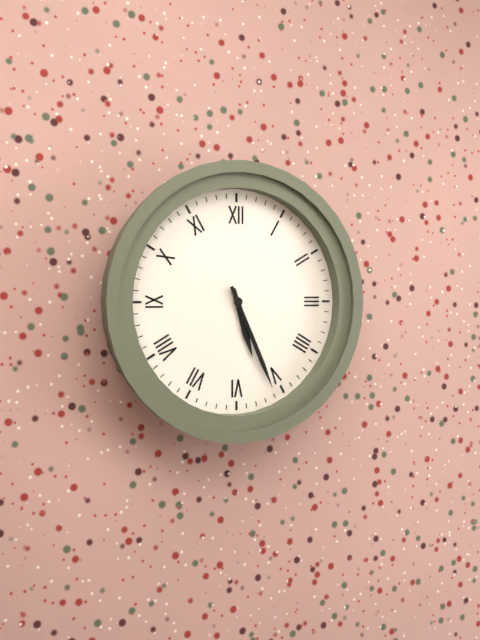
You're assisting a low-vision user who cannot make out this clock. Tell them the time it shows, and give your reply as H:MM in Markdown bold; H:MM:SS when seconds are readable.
**5:26**
